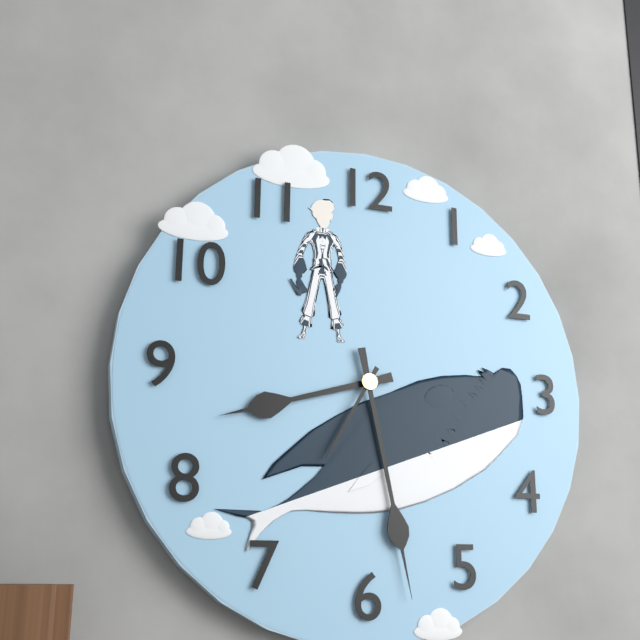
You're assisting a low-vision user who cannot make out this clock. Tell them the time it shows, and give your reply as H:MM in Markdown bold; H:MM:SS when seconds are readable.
**8:28:35**
